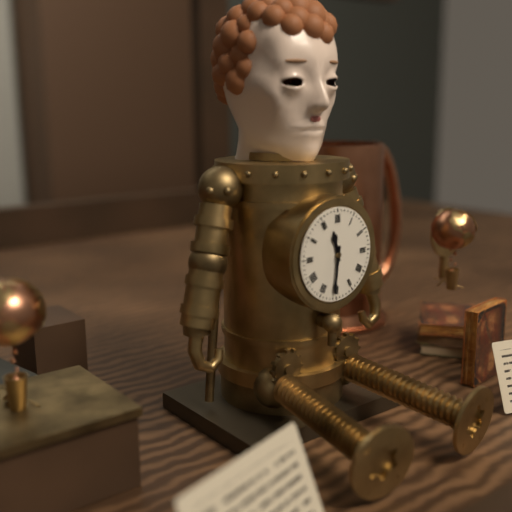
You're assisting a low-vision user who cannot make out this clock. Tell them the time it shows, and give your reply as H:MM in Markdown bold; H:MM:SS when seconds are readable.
**11:31**
